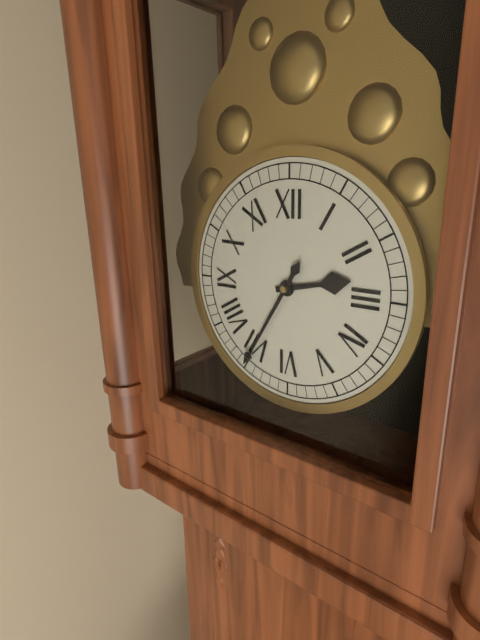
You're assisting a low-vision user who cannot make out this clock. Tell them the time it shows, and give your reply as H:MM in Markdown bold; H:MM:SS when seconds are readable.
**2:35**
